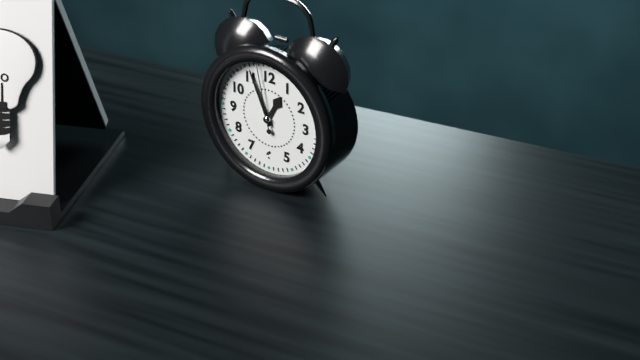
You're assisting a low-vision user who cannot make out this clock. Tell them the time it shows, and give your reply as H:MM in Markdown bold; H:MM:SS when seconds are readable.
**12:56:58**
